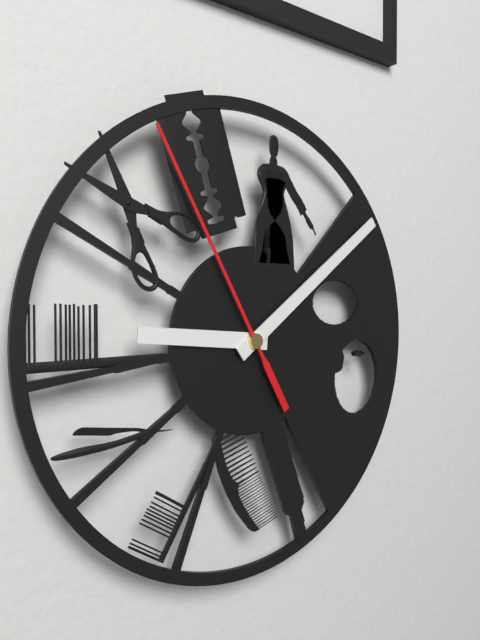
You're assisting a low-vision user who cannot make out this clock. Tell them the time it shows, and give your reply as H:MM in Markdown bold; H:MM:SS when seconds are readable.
**9:09:55**
